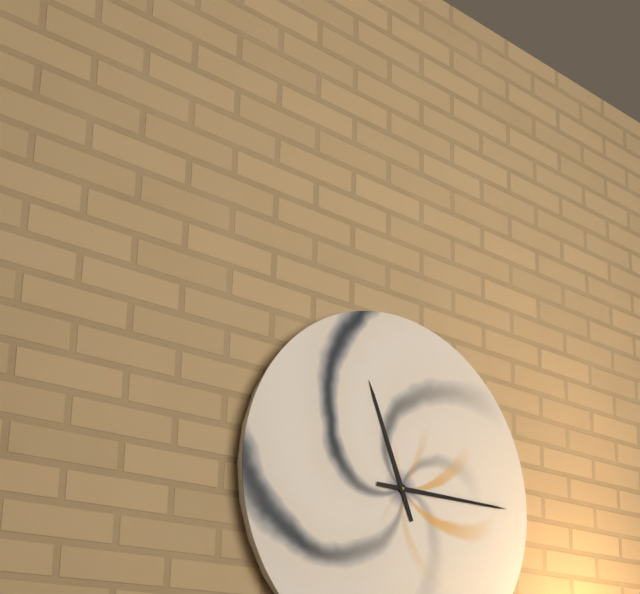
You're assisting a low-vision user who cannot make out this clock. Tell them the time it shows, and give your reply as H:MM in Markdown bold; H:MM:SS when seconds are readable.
**11:15**
